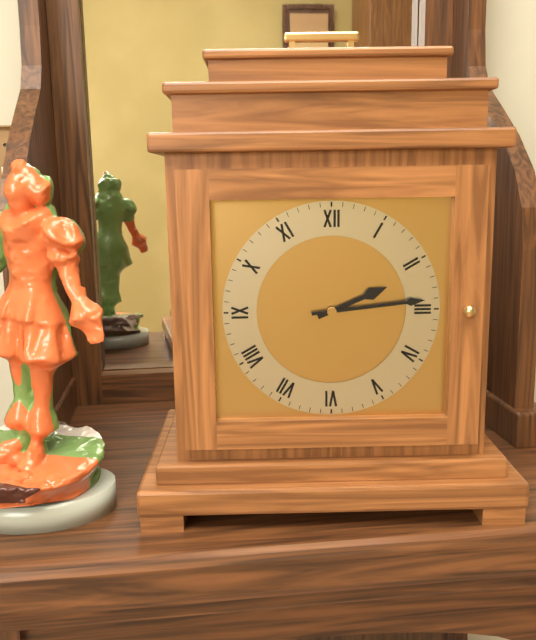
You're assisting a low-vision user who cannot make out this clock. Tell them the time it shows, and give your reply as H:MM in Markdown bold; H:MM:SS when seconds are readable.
**2:14**
